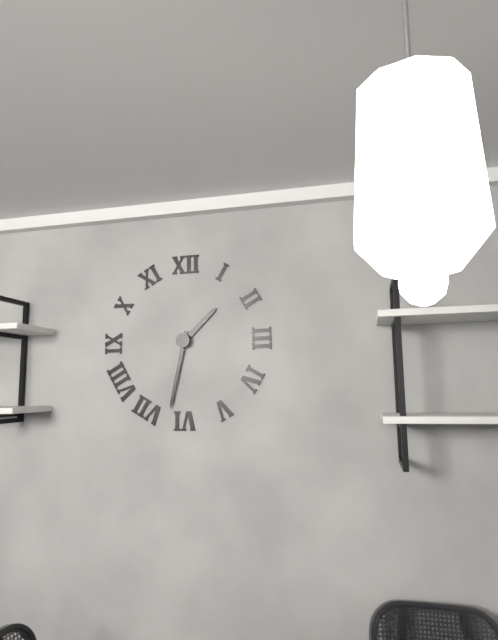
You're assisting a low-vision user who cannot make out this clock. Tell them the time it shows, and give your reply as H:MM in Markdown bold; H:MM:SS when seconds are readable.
**1:32**
